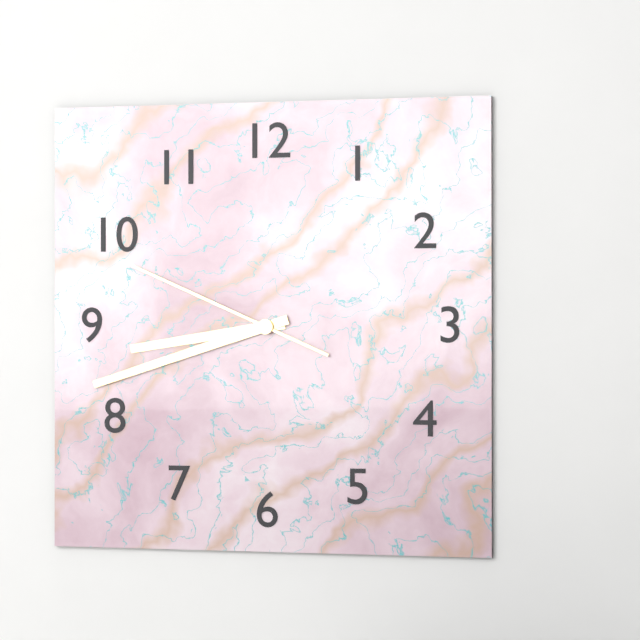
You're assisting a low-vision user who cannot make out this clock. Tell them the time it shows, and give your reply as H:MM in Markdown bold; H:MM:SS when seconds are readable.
**8:42:49**
